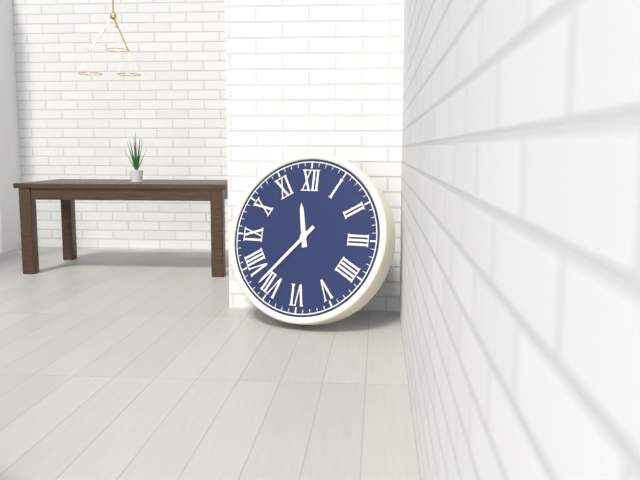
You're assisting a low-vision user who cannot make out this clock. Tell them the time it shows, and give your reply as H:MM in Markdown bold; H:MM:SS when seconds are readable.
**11:37**
